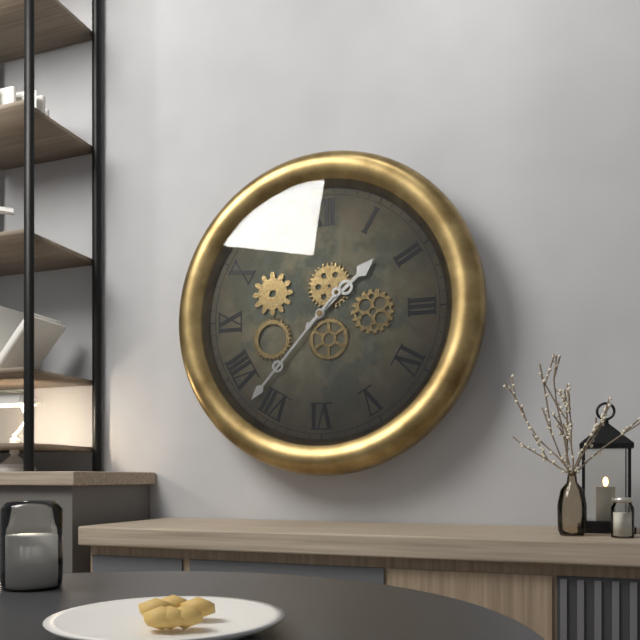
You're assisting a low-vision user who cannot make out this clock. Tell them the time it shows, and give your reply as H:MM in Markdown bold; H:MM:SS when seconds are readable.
**1:37**
